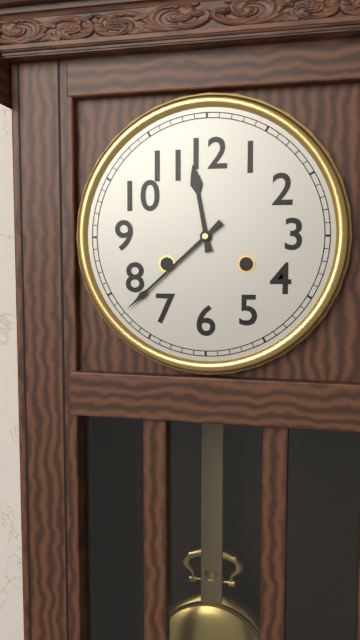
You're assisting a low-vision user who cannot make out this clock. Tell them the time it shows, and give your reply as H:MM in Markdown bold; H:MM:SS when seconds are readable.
**11:38**
